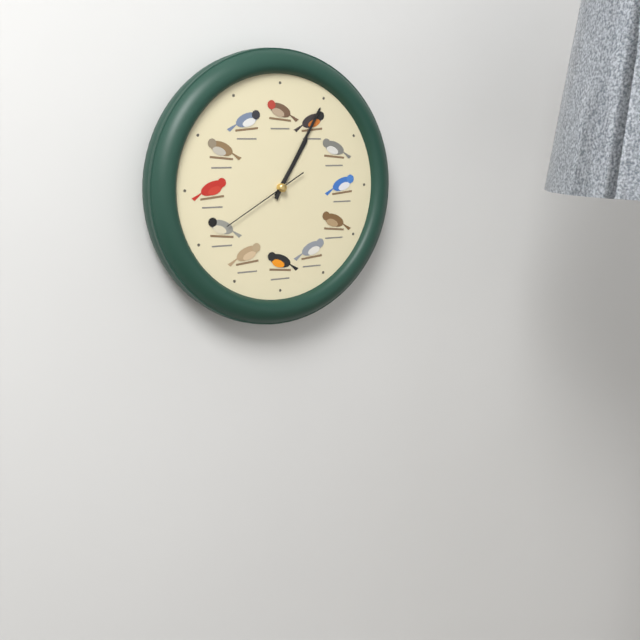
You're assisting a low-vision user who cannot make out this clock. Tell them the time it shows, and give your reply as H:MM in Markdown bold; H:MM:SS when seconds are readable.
**1:05:40**
